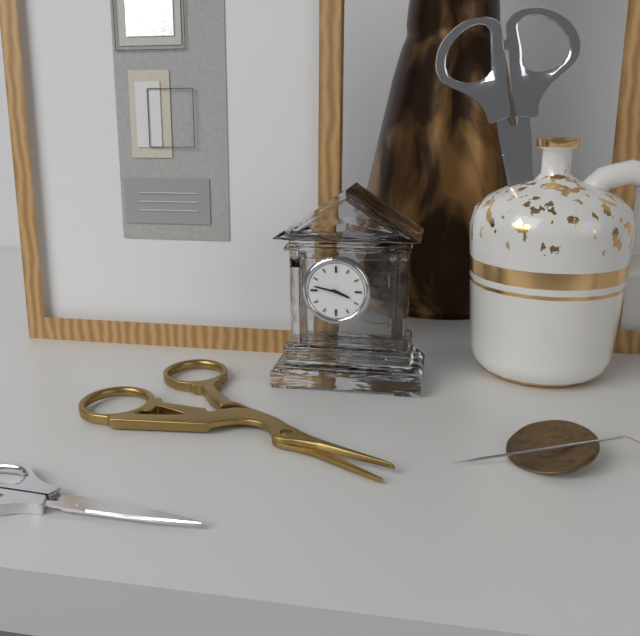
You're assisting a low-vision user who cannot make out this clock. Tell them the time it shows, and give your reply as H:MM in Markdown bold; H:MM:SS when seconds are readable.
**3:47**
